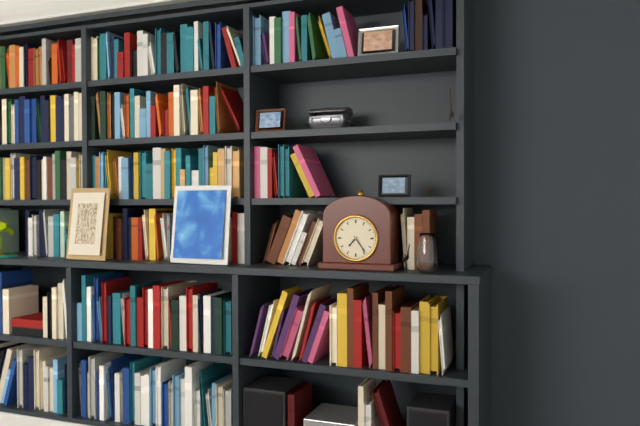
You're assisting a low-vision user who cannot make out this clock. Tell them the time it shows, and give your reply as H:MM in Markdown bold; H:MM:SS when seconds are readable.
**7:24**
